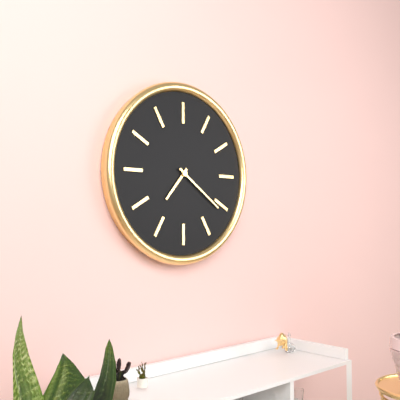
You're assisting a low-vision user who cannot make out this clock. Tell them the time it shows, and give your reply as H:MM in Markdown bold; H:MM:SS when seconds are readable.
**7:21**
